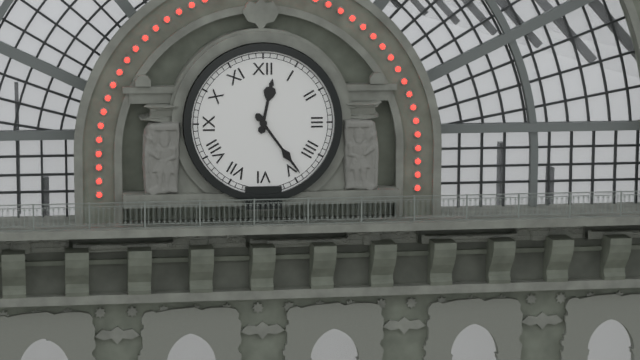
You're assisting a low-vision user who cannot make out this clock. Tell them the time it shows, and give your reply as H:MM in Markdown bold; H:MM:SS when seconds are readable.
**12:24**
